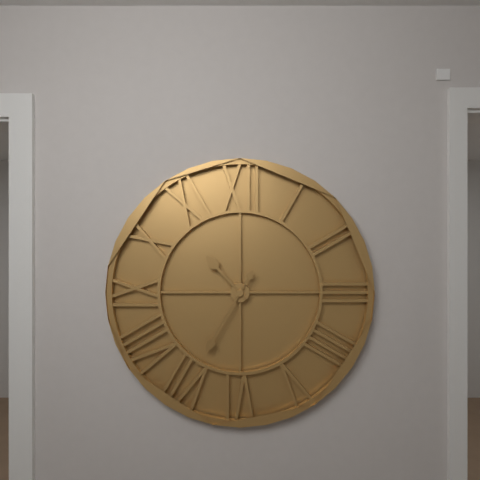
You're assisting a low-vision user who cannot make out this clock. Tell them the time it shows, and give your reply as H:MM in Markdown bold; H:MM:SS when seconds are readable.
**10:35**
